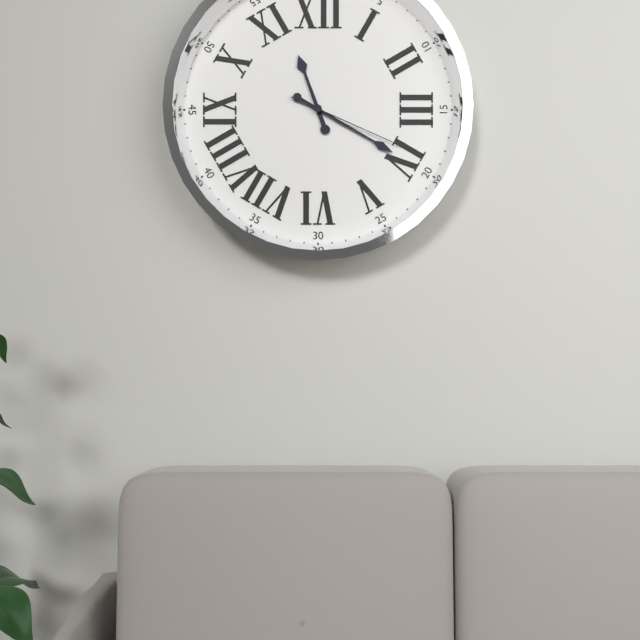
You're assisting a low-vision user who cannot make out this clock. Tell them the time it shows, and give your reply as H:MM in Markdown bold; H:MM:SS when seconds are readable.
**11:20:19**
